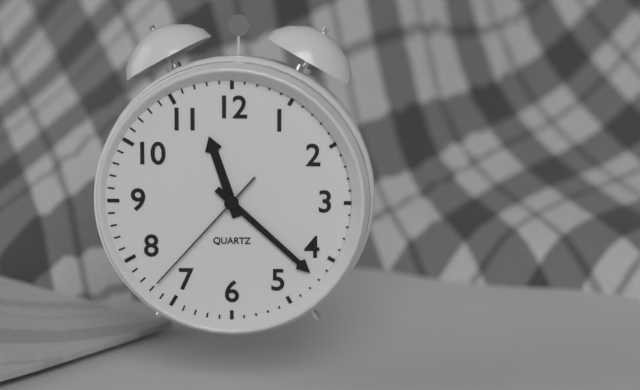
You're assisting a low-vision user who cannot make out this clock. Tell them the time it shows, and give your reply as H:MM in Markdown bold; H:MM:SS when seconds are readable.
**11:22:37**
